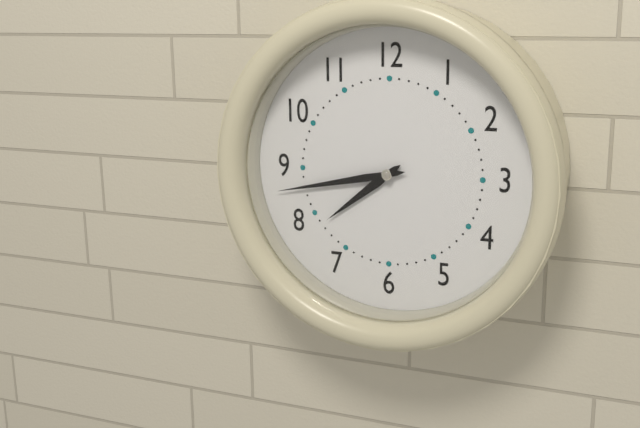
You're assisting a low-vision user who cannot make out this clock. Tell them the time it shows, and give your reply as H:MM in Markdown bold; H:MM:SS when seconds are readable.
**7:43**
